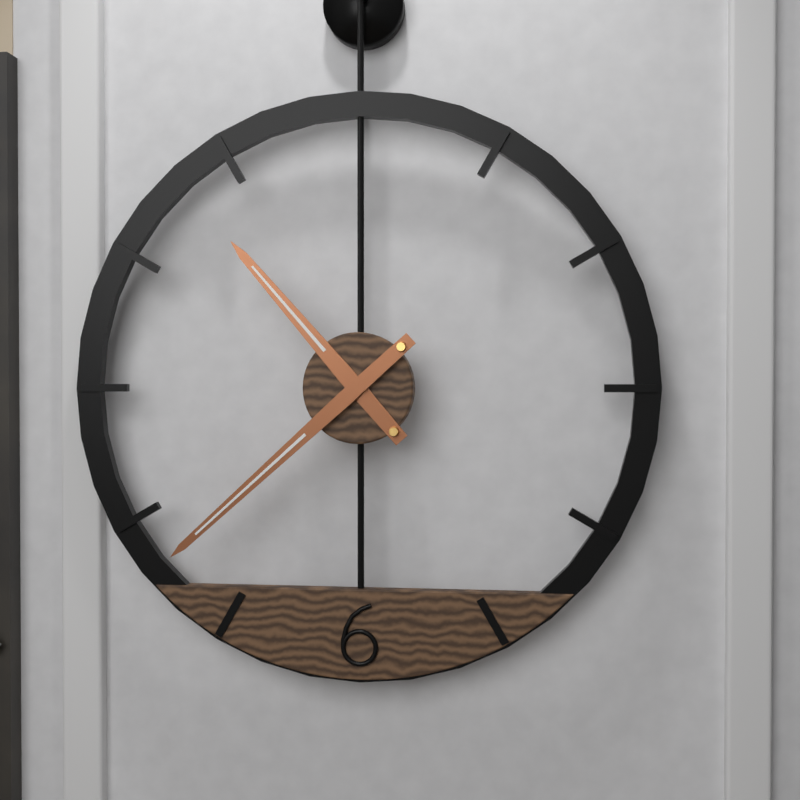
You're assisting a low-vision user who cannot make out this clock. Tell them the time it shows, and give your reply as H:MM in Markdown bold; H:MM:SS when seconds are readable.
**10:38**
